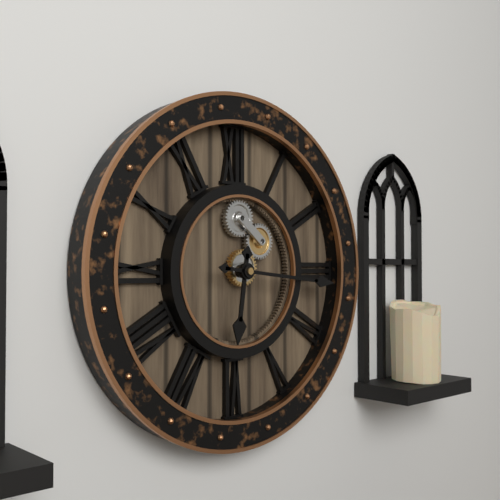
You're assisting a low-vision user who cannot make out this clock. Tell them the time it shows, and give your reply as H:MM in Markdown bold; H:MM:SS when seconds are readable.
**6:16**
